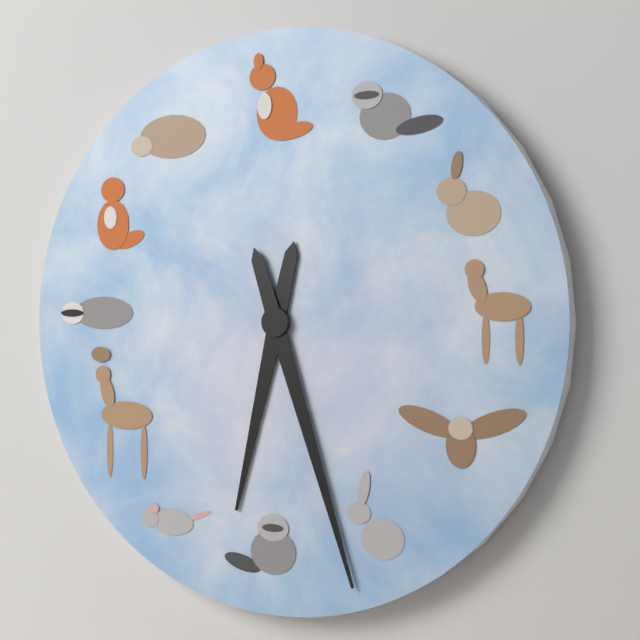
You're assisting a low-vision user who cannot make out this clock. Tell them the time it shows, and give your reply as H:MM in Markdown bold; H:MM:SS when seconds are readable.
**6:27**
